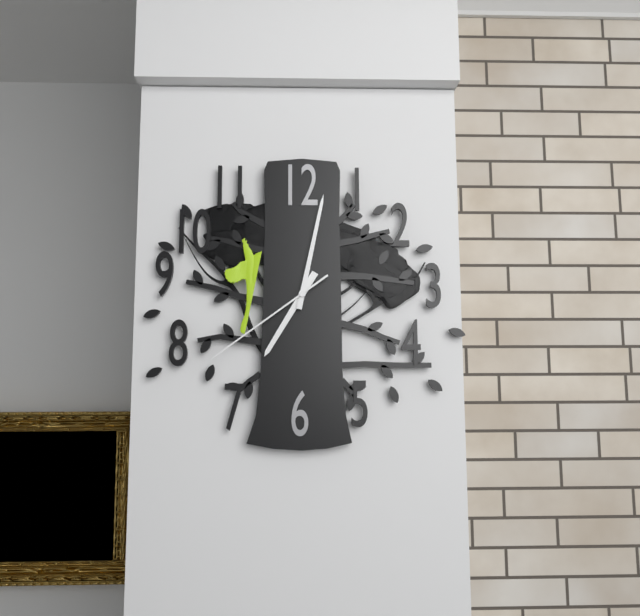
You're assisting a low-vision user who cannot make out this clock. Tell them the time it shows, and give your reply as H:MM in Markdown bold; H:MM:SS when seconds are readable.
**7:02:39**
